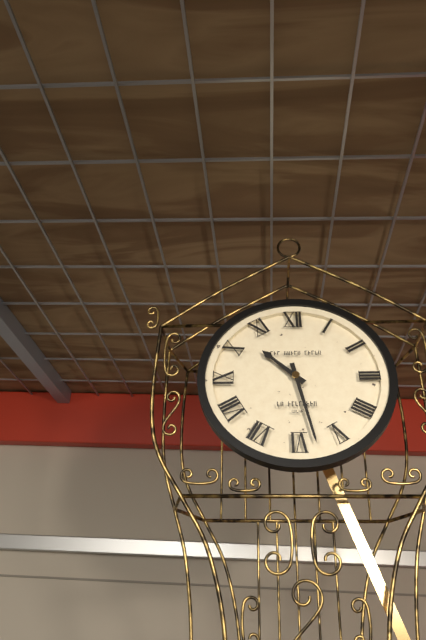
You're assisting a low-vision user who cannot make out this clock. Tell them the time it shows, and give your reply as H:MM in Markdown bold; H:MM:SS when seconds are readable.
**10:28**
